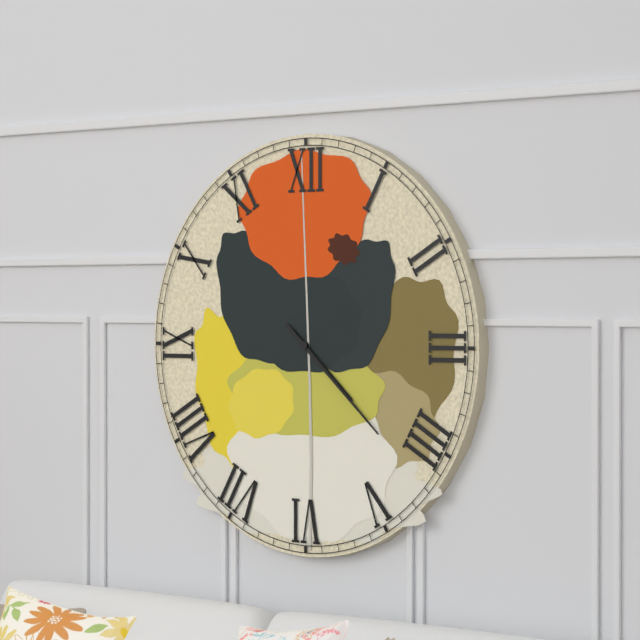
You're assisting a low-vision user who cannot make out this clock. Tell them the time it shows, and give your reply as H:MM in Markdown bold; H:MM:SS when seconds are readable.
**4:22**
